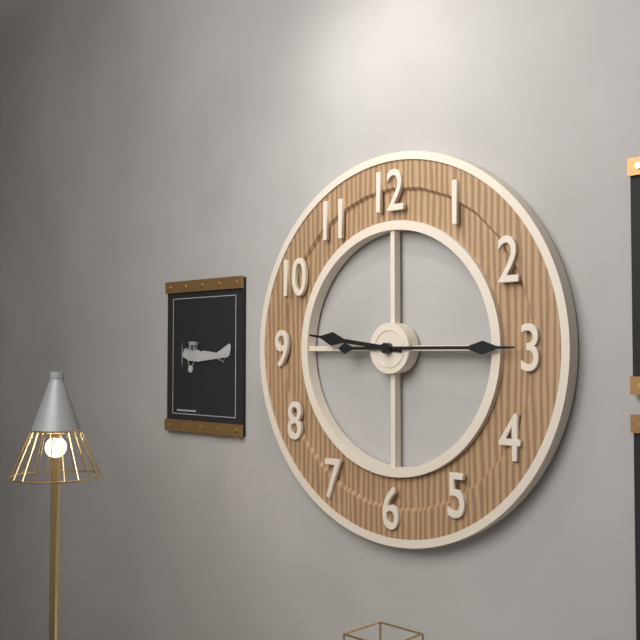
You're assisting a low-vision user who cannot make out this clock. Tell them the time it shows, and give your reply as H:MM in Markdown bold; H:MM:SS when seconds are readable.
**9:15**
